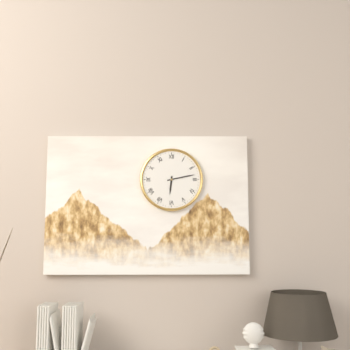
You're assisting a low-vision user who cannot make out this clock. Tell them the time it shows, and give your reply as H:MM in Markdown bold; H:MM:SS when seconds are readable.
**6:13**
